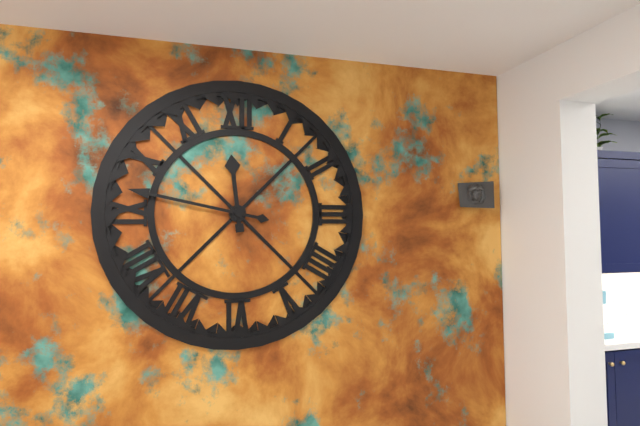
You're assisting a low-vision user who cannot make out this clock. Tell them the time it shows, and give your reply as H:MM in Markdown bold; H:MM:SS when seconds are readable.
**11:47**
